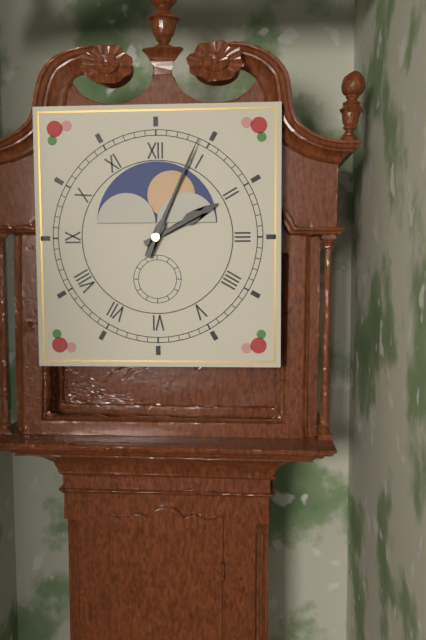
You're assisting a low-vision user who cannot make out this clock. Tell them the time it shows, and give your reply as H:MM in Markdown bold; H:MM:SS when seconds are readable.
**2:04**
